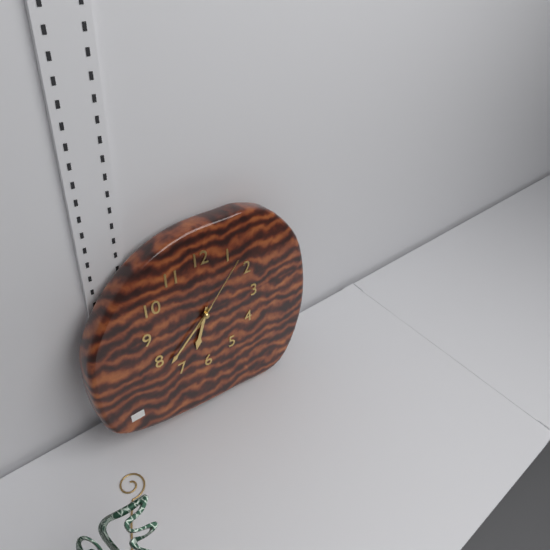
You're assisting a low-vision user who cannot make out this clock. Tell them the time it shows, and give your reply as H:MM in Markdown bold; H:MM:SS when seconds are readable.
**6:38:07**
